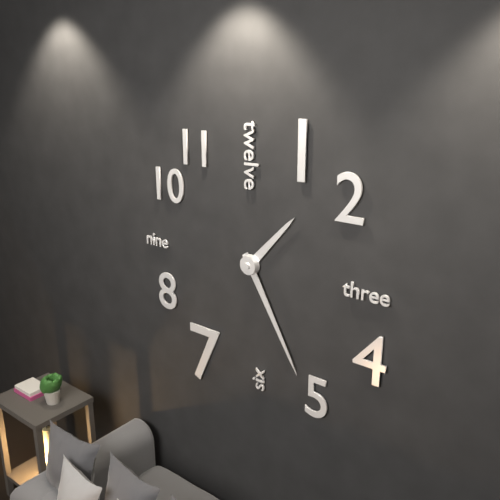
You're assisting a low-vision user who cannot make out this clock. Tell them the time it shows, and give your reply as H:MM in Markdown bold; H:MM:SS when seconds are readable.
**1:25**
